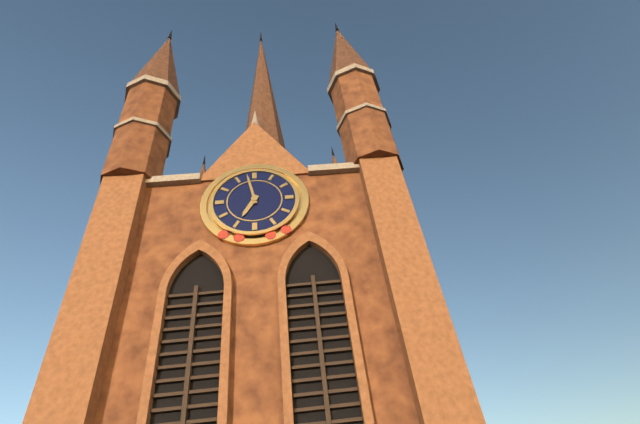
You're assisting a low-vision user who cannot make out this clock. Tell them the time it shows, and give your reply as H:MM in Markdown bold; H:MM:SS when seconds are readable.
**6:58**
